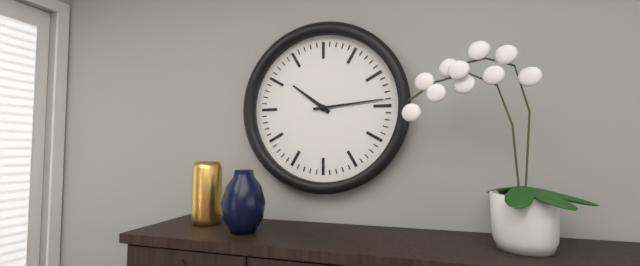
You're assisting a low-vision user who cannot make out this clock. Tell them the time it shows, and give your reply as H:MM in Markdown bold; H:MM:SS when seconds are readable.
**10:14**
